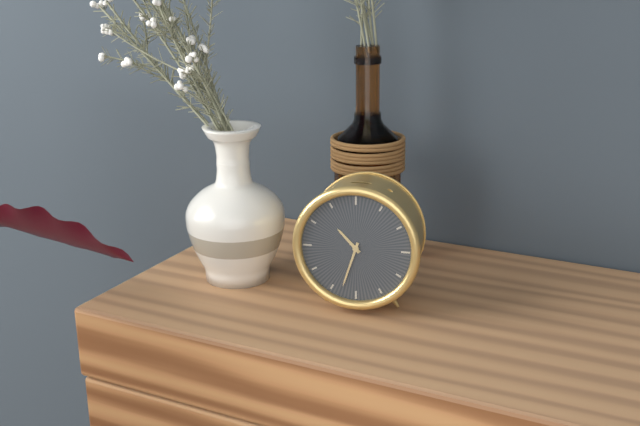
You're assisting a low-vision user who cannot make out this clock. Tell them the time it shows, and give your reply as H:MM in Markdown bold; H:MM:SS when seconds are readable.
**10:33**
